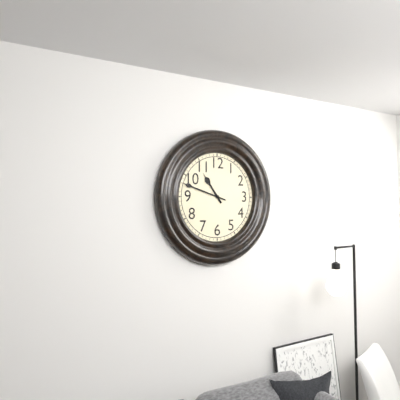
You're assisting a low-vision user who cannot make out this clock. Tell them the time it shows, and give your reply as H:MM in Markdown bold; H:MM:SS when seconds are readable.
**10:48**
